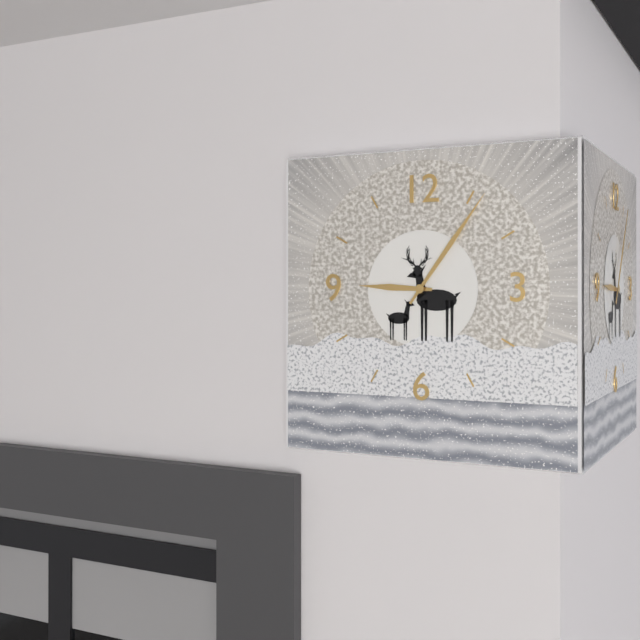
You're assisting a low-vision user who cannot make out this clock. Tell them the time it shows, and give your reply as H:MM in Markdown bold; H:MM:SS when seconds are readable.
**9:06**
